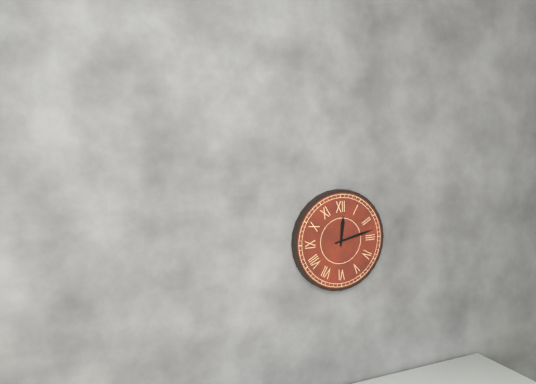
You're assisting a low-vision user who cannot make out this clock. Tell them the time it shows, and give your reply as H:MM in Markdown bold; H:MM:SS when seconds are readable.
**12:13**
